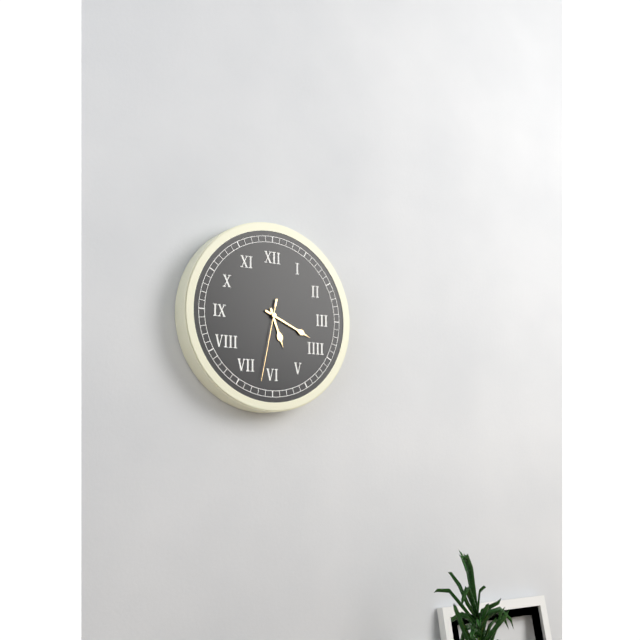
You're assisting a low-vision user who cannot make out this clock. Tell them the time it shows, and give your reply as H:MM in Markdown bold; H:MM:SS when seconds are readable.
**5:19:32**
